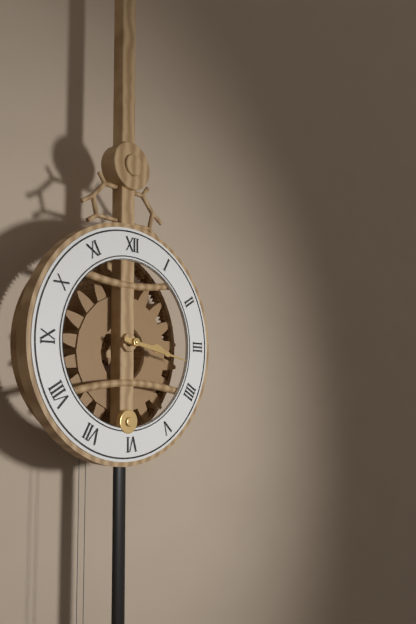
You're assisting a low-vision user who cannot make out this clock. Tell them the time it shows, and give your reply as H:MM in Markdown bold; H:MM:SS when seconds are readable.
**3:17**
